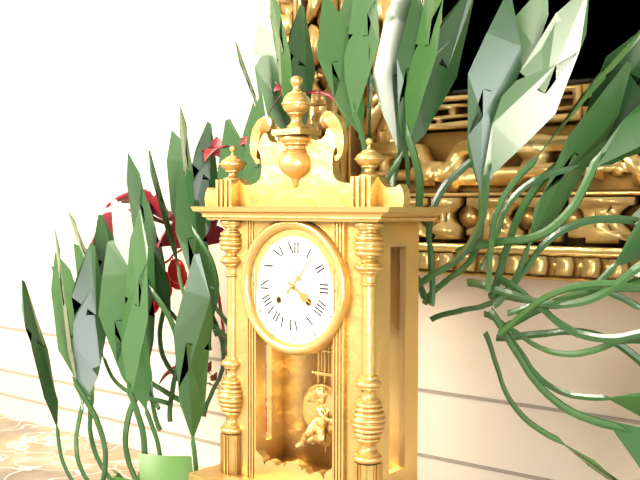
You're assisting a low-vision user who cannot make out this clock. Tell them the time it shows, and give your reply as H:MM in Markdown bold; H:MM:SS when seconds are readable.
**4:07**
